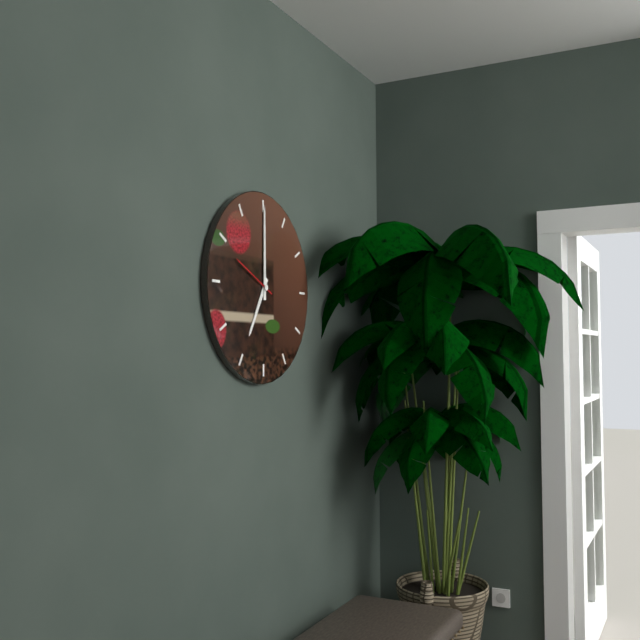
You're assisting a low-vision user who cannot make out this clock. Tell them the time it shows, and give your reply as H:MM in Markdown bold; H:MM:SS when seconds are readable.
**7:00:49**
